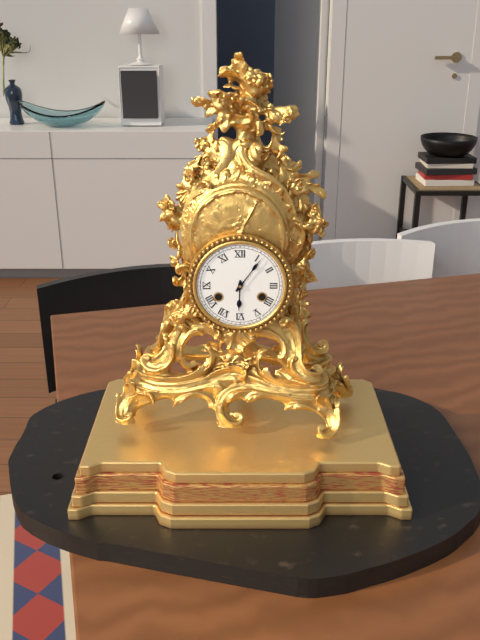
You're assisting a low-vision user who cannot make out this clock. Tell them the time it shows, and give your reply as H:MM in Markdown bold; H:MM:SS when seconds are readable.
**6:06**
